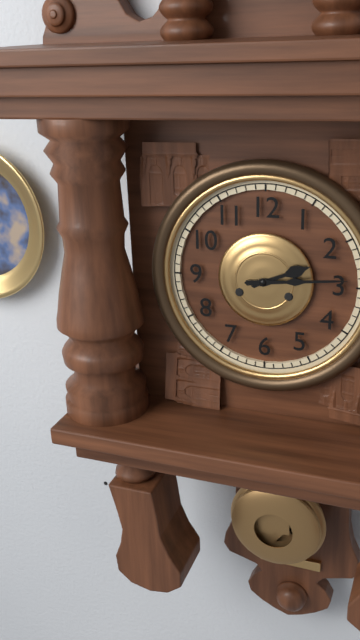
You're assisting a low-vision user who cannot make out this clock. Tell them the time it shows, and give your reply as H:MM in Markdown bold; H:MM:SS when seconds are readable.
**2:14**
